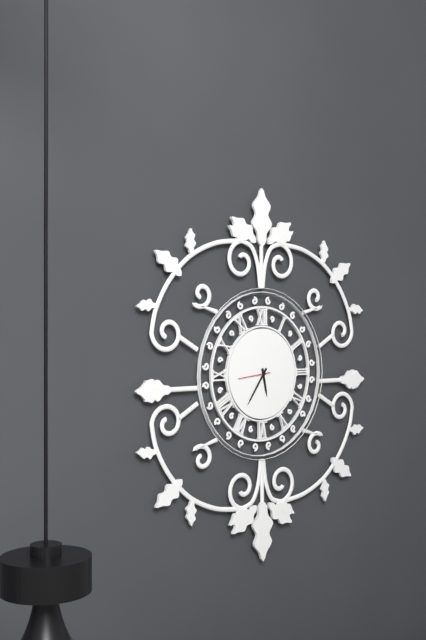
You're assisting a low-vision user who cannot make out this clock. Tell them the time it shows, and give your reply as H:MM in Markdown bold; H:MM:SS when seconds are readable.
**5:36**
